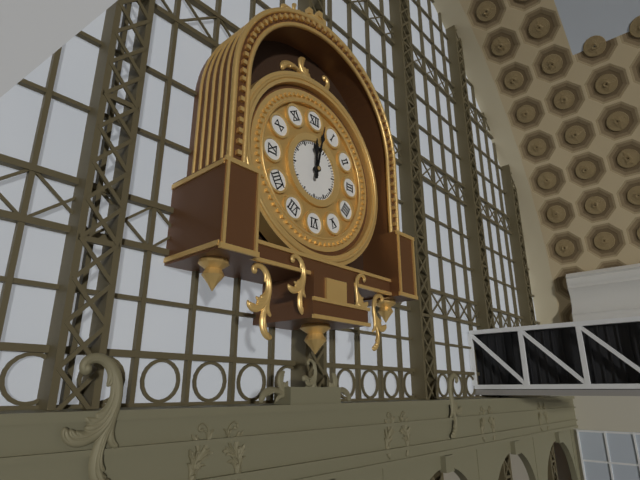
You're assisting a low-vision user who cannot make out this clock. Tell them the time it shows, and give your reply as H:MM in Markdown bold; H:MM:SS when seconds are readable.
**12:02**
